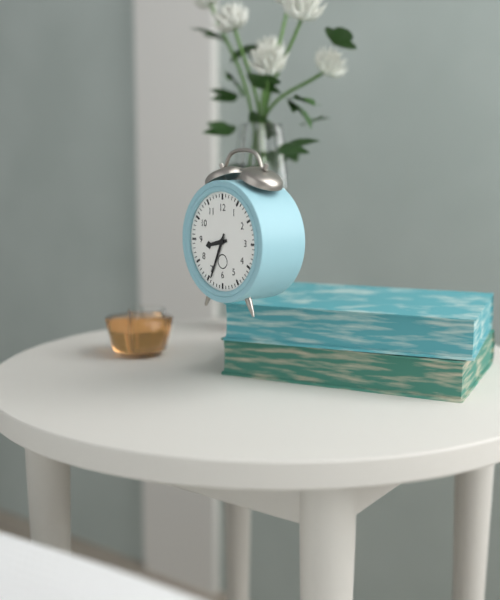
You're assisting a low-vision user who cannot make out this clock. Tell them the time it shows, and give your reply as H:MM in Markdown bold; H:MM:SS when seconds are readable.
**8:34**
